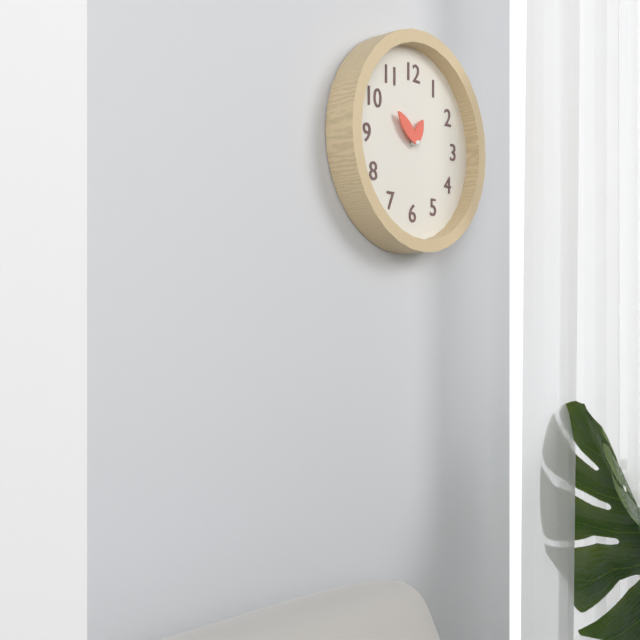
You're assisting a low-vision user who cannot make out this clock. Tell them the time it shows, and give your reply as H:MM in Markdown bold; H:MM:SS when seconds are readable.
**12:52**
